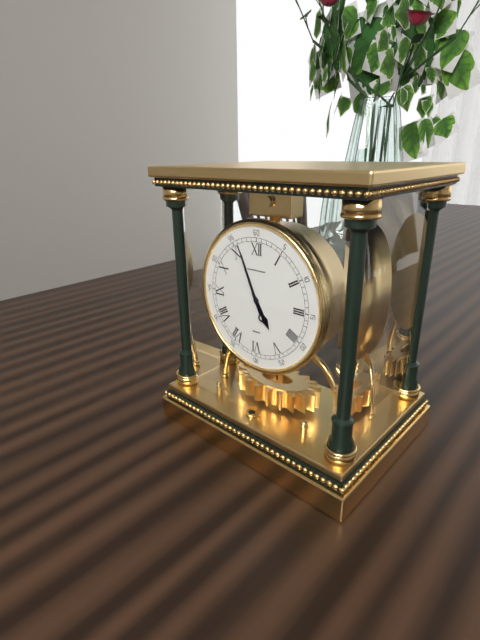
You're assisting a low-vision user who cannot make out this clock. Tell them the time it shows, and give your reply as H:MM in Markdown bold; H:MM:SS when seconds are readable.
**4:56**
